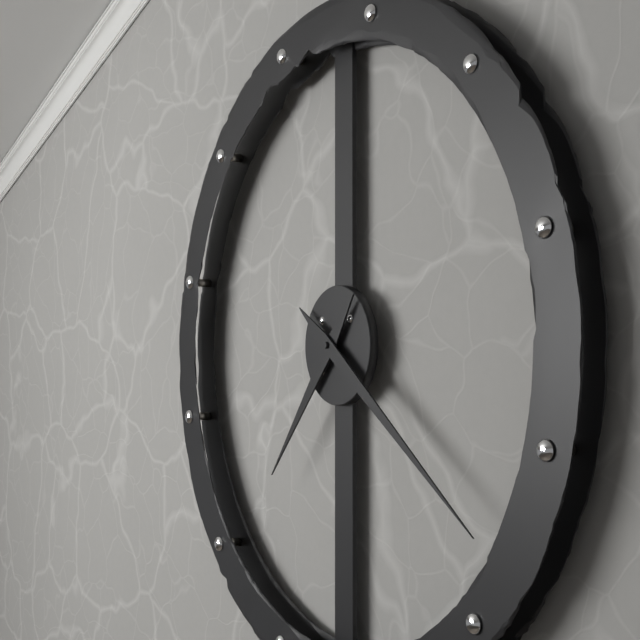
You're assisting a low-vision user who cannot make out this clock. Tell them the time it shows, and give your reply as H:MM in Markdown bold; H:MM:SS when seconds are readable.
**7:21**
